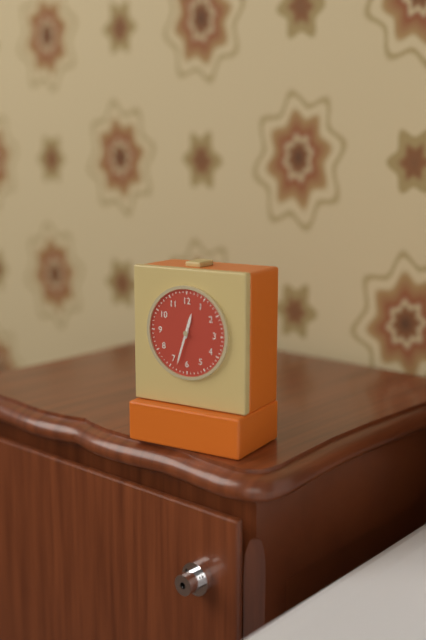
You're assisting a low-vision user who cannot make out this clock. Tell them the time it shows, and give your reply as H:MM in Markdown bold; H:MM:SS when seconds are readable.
**12:33**
